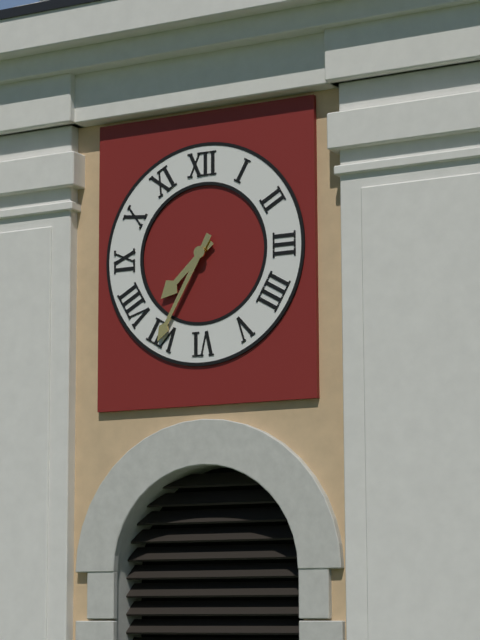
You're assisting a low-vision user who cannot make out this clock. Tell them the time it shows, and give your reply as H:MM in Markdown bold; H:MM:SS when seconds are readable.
**7:35**
